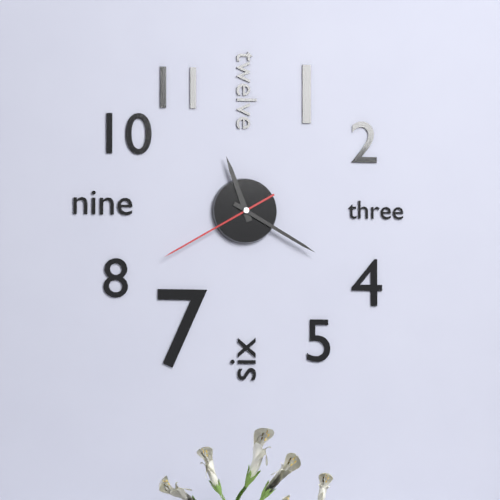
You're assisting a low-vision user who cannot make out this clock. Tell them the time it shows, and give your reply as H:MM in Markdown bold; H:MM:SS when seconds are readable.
**11:20:40**
